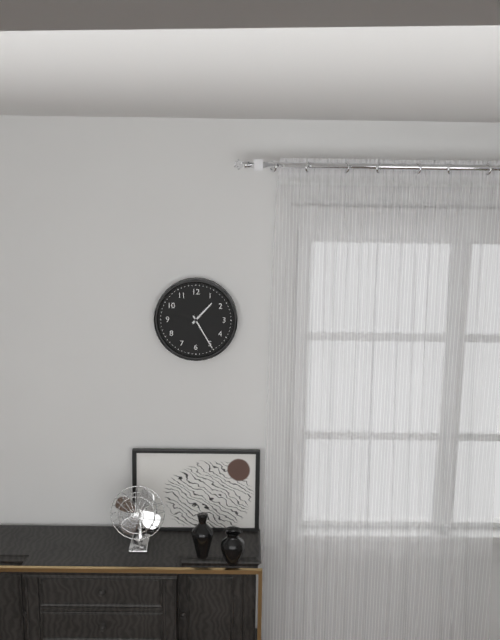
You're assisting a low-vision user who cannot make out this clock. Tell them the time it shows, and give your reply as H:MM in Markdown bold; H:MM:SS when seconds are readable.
**1:25**
